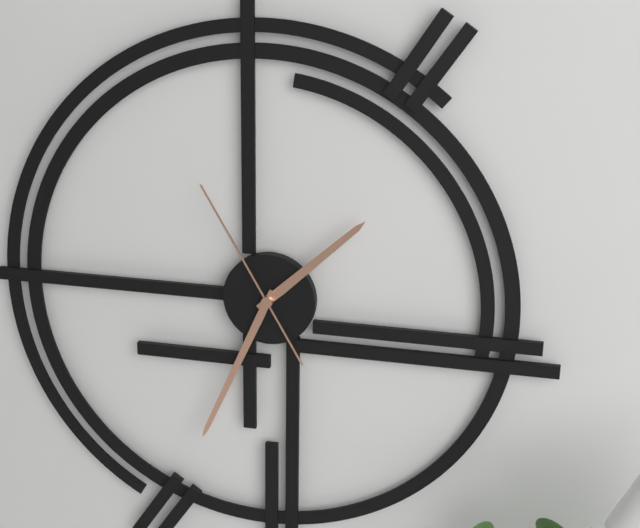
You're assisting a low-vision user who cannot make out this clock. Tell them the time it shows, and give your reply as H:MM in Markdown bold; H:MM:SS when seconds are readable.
**1:34:55**
